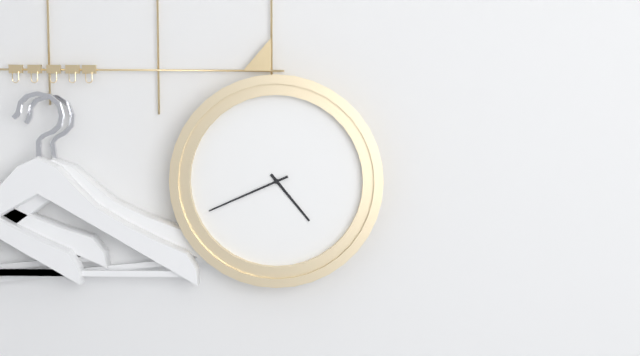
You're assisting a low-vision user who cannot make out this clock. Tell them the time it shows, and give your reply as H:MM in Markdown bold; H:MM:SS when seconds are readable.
**4:41**
